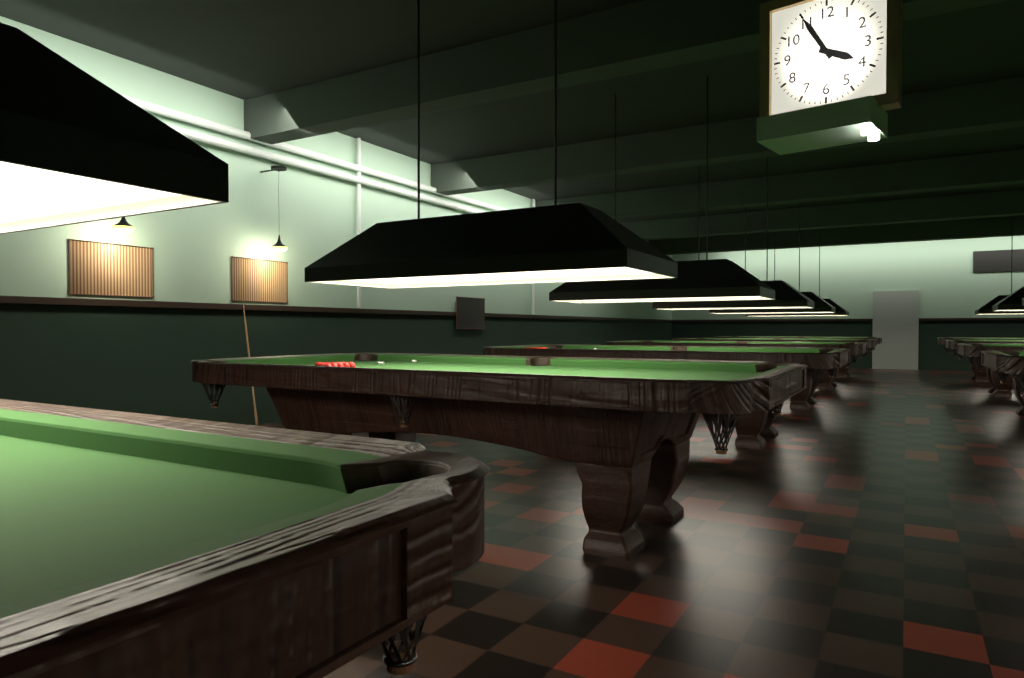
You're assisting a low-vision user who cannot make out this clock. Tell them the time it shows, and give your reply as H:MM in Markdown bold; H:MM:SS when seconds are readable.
**3:55**
